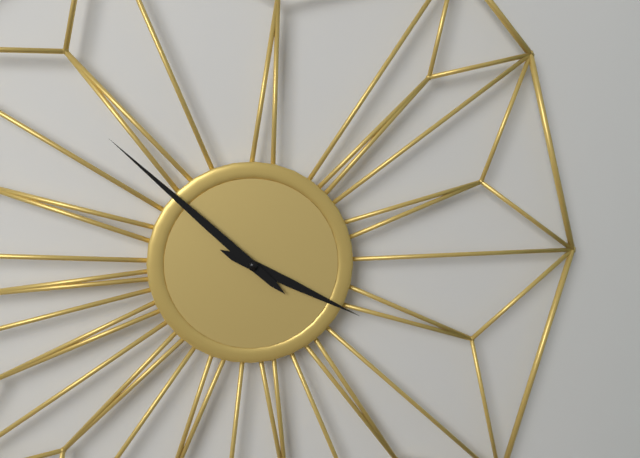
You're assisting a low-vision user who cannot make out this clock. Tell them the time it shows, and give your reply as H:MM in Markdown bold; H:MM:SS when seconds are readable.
**3:52**
